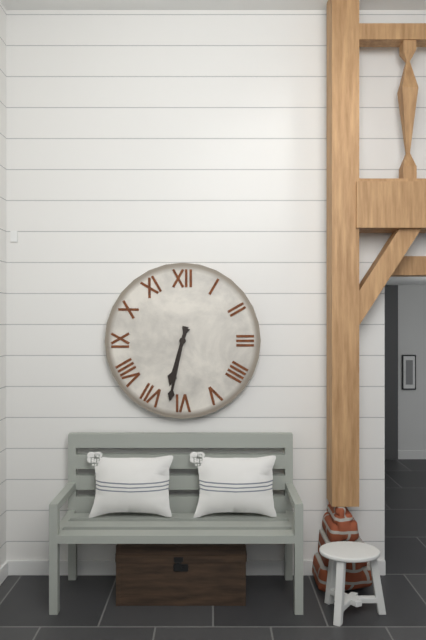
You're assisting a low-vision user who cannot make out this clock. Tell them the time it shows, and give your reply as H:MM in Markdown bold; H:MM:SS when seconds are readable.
**6:32**
